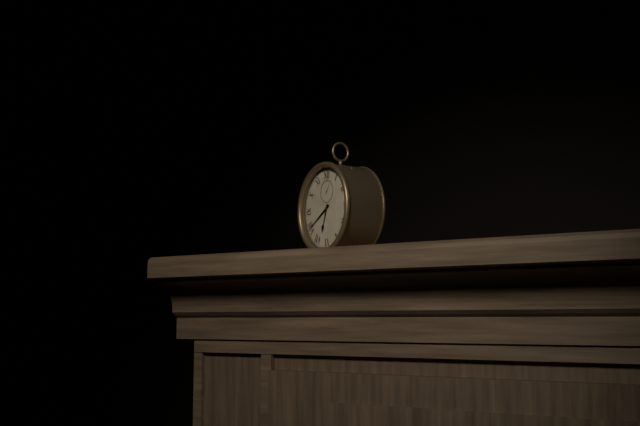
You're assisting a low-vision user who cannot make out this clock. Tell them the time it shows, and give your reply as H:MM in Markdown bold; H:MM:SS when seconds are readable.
**6:40**
